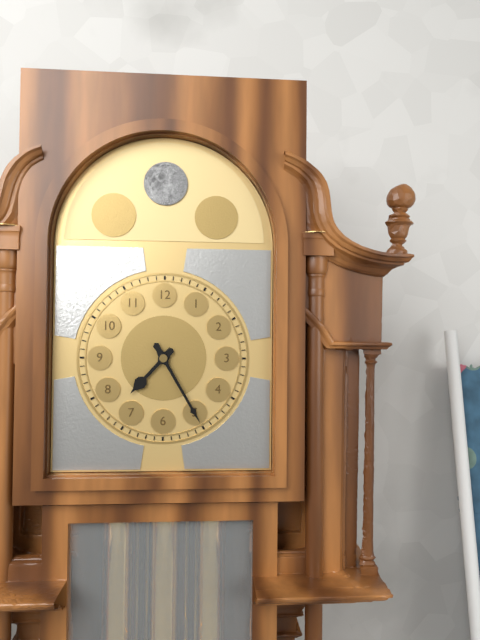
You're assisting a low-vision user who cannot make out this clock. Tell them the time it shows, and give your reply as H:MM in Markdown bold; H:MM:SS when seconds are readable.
**7:25**
